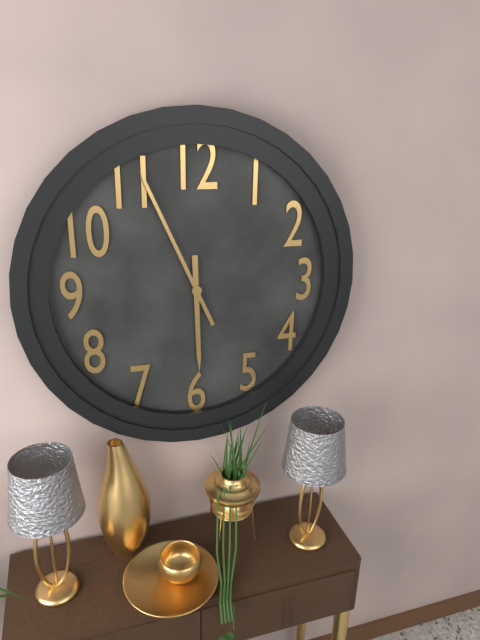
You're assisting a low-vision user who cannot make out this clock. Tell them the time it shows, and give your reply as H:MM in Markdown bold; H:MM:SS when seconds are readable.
**5:56**
